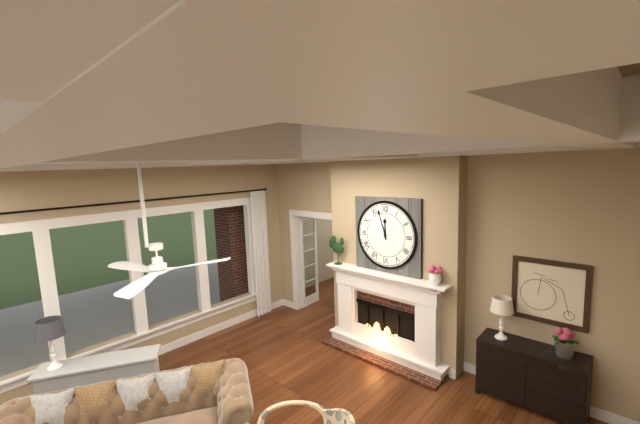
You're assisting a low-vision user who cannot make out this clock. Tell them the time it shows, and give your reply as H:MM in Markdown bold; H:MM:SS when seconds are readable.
**11:57**
